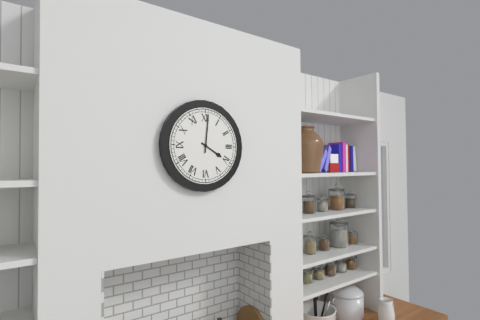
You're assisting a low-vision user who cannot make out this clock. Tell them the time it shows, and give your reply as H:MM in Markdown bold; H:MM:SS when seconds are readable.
**4:01**
